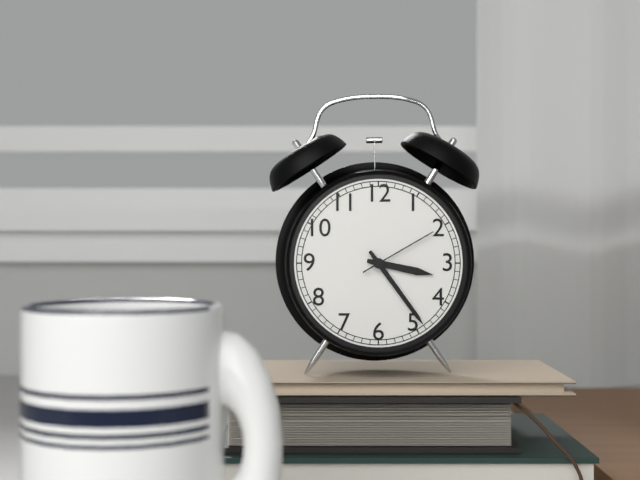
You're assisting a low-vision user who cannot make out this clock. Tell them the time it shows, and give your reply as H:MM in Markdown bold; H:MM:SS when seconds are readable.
**3:24:10**
